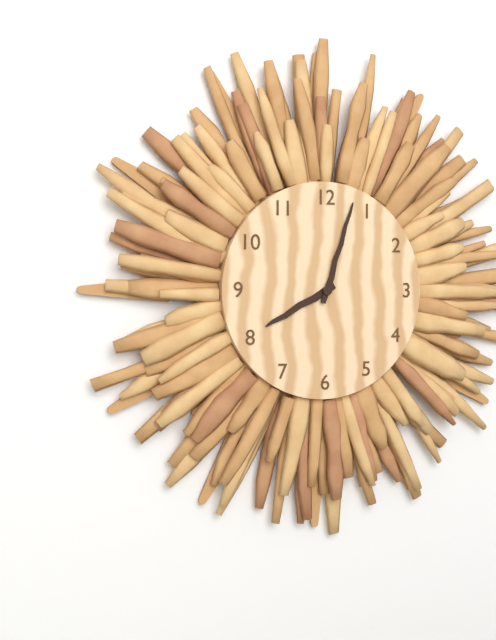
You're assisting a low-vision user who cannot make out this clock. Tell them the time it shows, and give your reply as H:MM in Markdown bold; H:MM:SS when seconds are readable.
**8:03**
